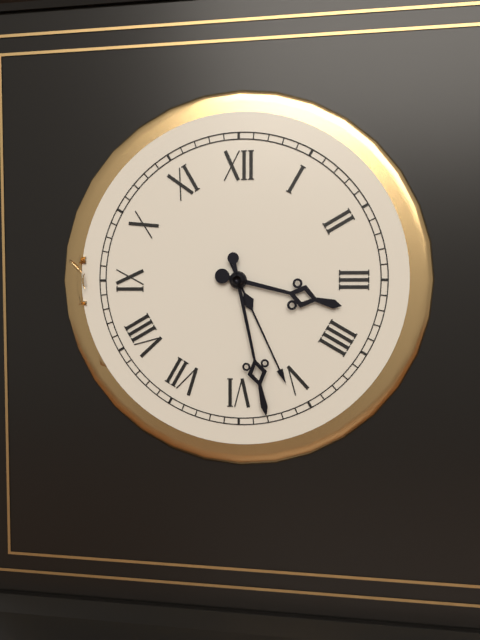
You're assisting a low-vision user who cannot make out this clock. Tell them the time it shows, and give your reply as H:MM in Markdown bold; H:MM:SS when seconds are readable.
**3:28**
